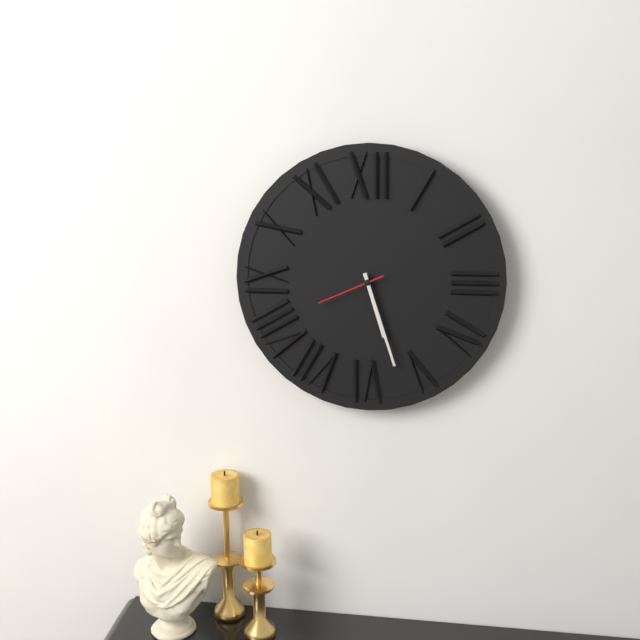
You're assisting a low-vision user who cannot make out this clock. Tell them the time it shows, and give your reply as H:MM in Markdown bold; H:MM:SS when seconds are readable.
**5:27:41**
